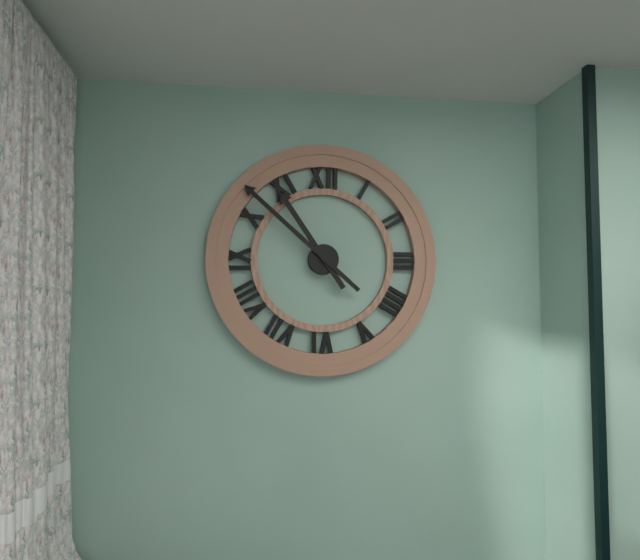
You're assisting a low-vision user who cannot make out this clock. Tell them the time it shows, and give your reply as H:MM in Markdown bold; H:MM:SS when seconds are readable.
**10:52**
